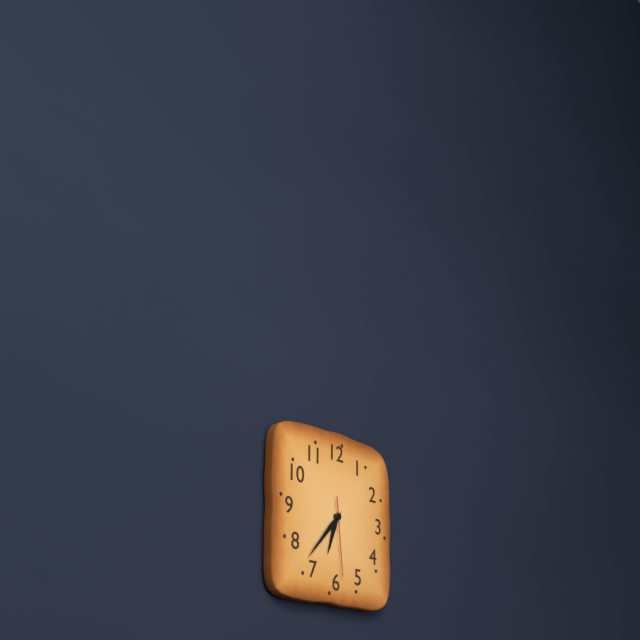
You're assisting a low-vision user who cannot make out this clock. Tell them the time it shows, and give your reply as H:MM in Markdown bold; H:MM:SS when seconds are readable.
**6:37:29**
